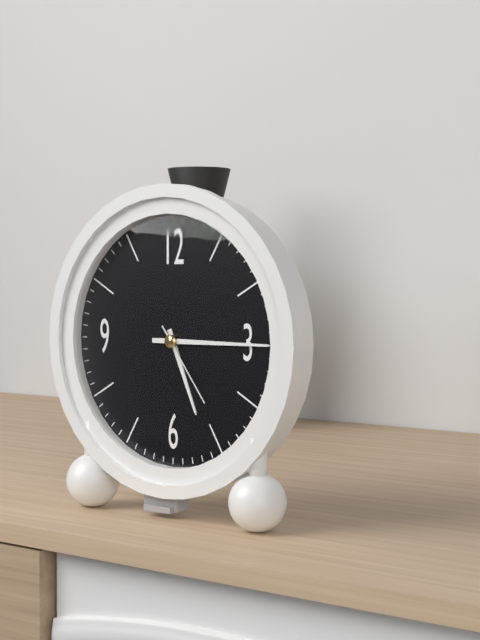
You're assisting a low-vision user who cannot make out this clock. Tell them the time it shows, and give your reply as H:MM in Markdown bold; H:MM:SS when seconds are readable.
**5:15:24**
